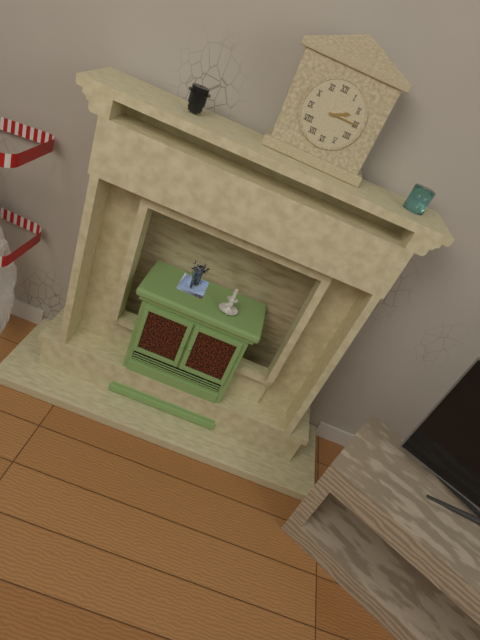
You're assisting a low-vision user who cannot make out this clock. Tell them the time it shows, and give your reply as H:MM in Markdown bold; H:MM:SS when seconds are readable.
**2:15**
